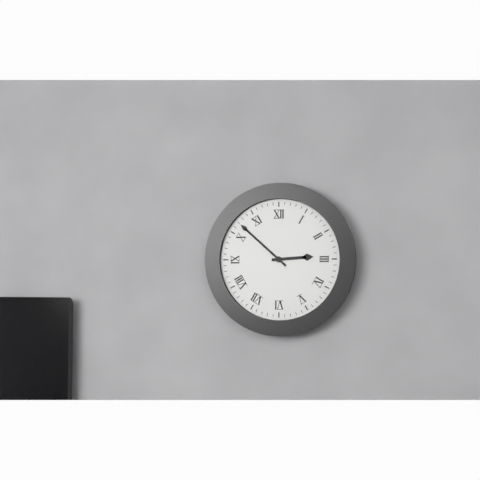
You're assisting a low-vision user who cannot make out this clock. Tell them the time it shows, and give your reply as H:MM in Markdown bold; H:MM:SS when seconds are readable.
**2:52**
